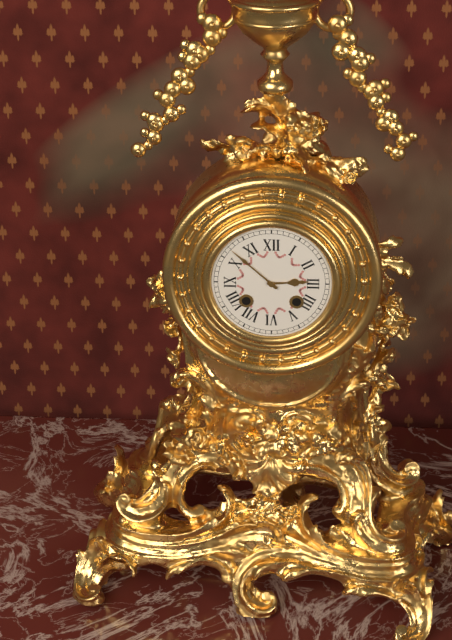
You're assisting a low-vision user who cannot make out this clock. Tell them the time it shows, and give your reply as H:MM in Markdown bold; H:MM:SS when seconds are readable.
**2:52**
